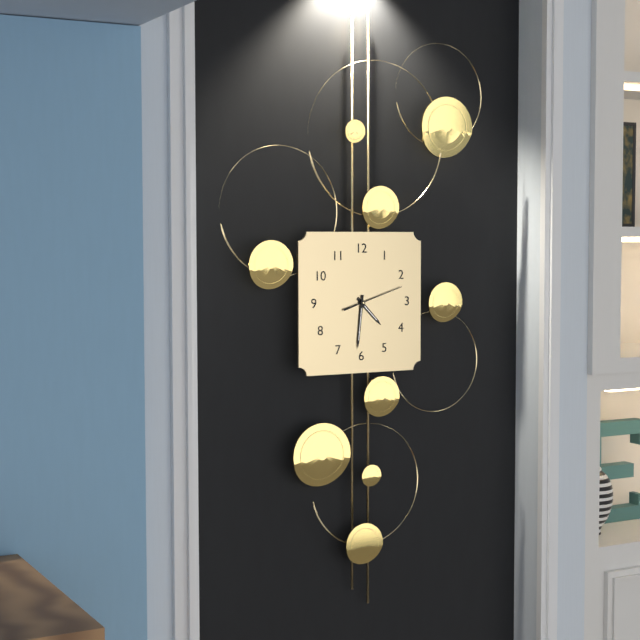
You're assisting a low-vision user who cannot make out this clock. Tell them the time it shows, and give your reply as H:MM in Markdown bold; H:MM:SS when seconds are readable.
**4:31:12**
